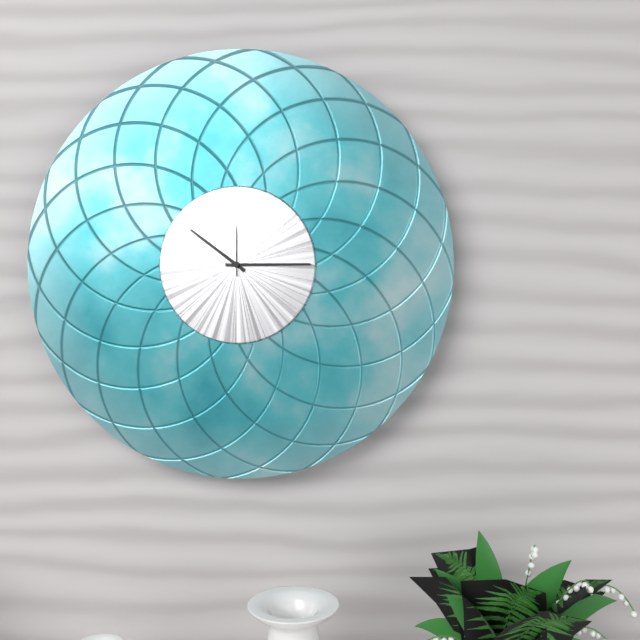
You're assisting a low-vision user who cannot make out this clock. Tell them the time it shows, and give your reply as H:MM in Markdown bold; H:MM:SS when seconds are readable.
**10:15**
